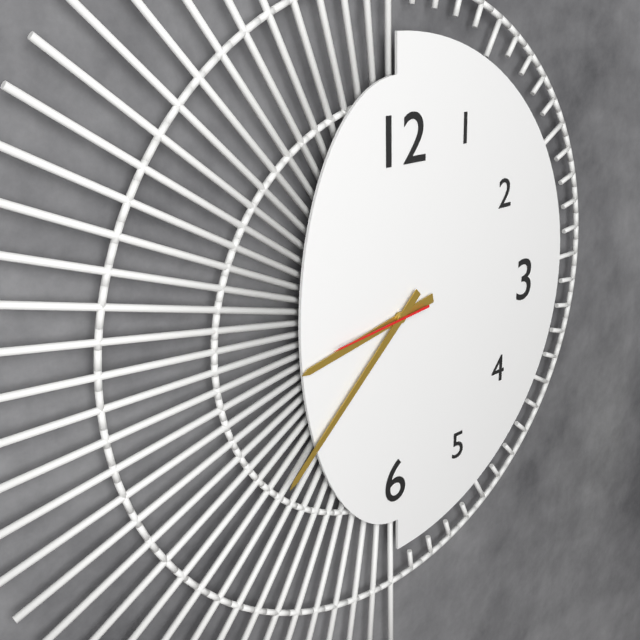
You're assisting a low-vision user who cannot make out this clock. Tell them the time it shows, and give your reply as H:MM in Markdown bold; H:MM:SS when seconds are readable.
**8:38:44**
